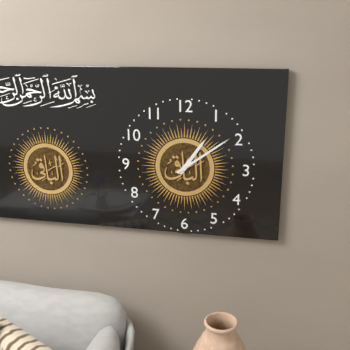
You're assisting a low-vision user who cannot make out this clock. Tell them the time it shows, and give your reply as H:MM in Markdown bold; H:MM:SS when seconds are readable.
**1:09**
